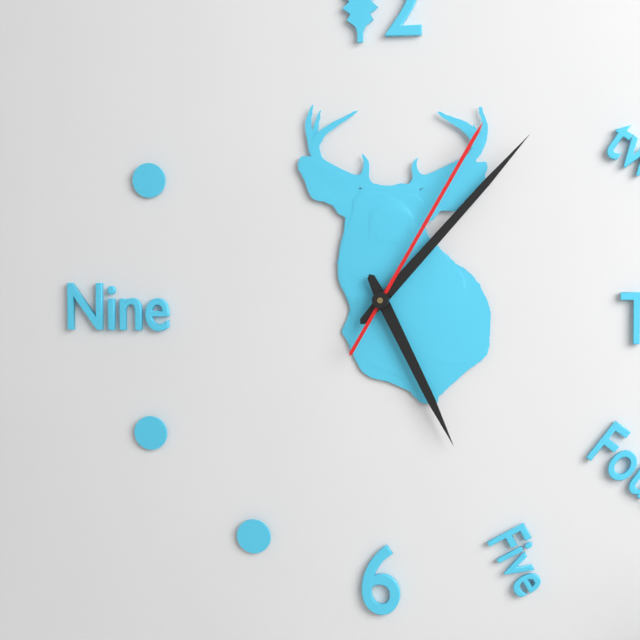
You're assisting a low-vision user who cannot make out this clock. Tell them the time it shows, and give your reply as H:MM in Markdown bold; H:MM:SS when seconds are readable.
**5:07:05**
